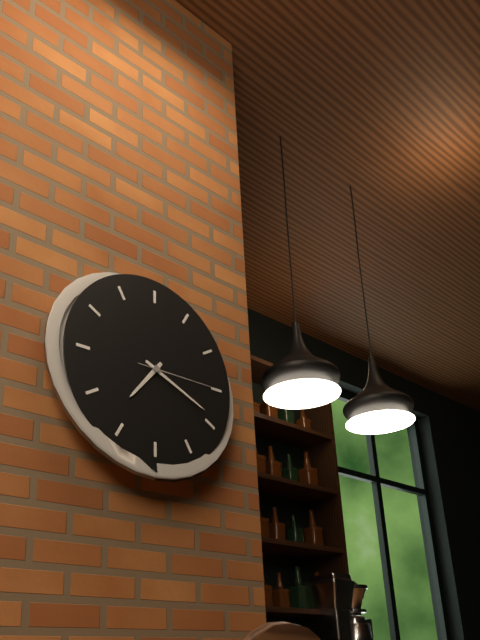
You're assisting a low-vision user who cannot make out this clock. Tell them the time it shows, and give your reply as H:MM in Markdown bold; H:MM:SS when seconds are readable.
**7:19:15**
